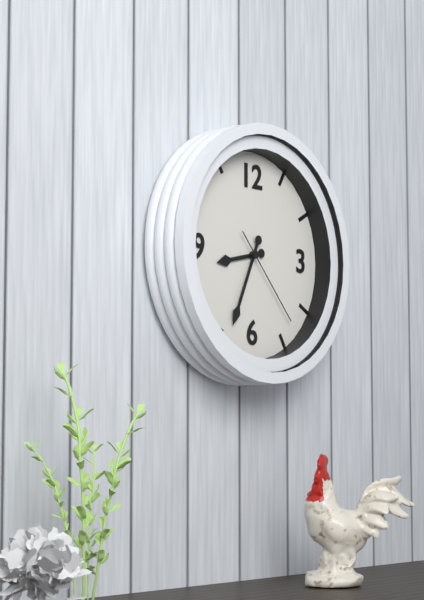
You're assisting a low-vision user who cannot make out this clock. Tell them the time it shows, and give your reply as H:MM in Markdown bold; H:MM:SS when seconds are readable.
**8:34:23**
